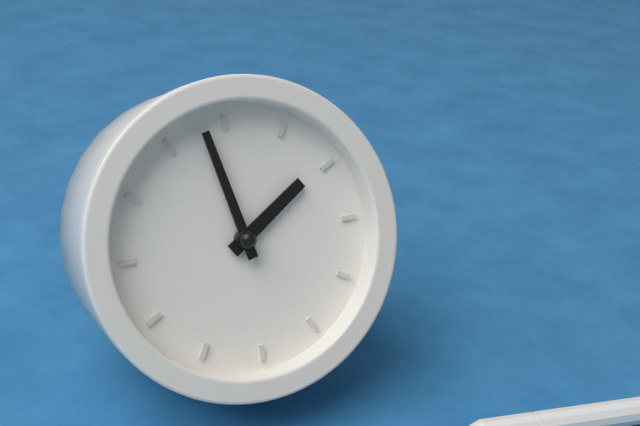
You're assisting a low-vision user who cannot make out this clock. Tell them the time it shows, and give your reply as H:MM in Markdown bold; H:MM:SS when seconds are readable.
**12:53**
